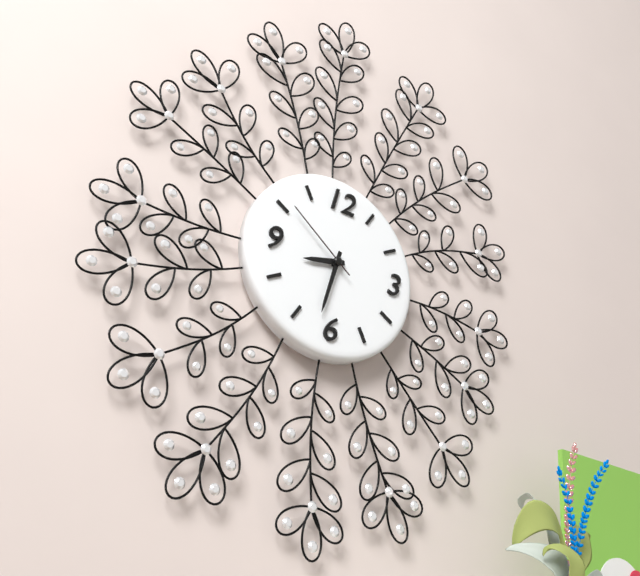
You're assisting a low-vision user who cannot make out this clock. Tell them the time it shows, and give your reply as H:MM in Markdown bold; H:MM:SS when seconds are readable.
**8:32:51**
